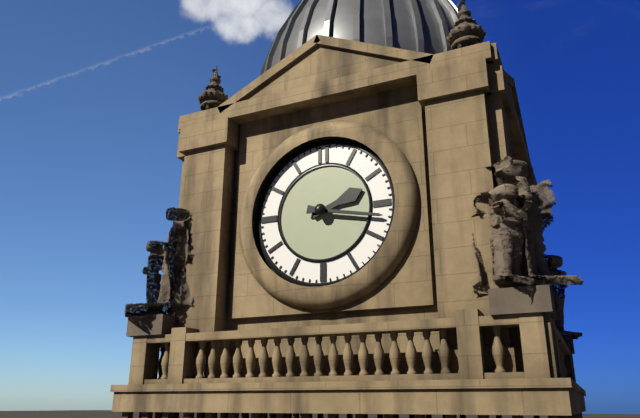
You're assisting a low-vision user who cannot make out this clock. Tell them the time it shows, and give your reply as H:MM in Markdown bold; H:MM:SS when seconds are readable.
**2:17**
